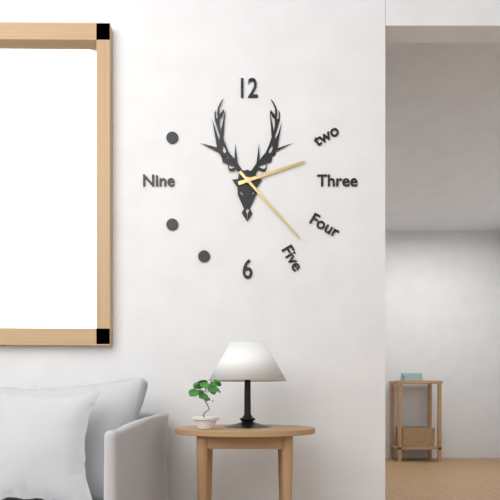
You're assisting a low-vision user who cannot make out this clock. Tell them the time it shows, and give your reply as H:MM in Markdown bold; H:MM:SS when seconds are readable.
**2:23**
